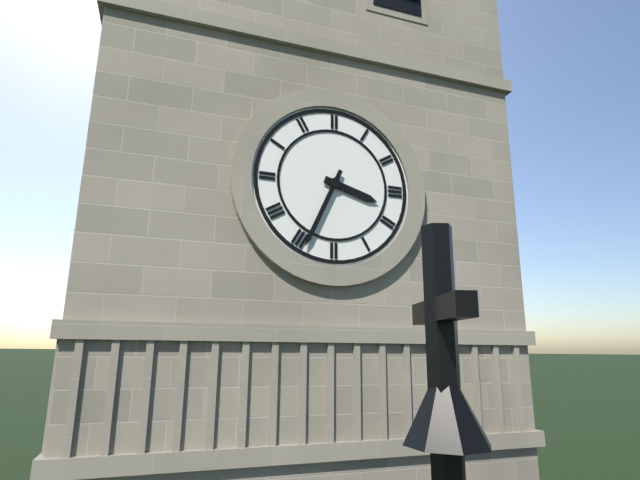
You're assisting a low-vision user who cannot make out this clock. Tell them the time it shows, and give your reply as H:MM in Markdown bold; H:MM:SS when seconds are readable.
**3:34**
